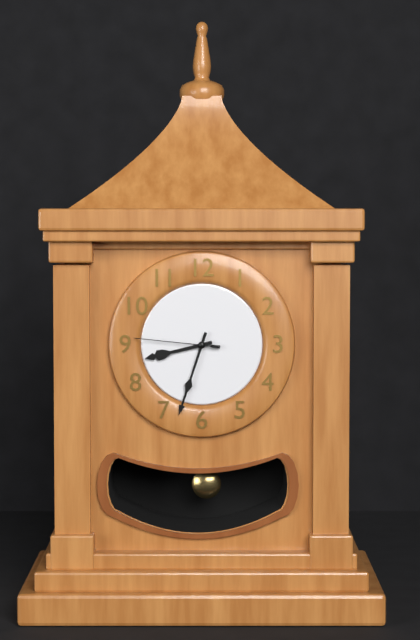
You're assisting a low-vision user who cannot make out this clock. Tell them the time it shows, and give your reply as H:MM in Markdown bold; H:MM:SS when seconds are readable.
**8:33:46**
